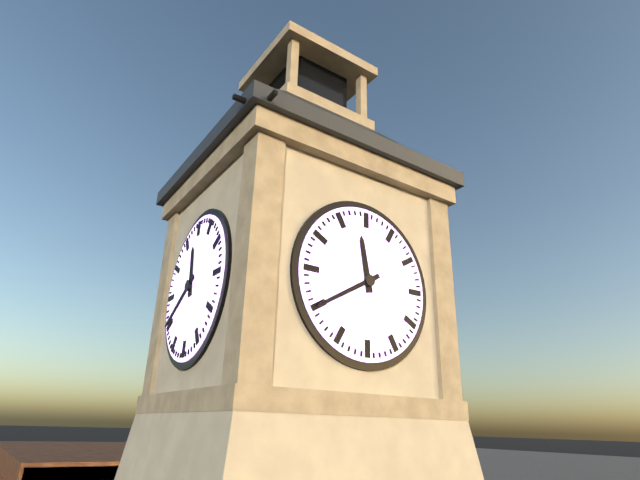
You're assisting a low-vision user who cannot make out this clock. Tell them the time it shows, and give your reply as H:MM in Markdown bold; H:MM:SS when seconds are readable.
**11:40**
